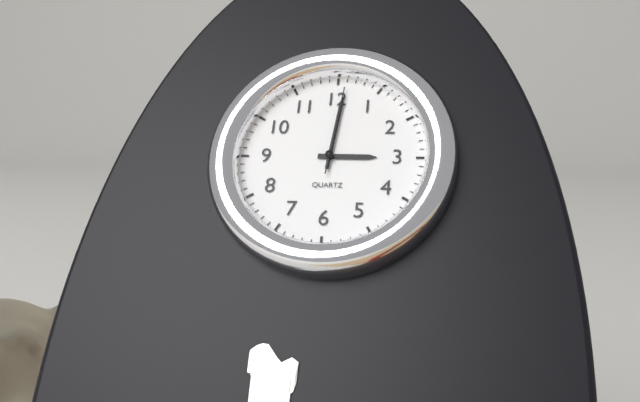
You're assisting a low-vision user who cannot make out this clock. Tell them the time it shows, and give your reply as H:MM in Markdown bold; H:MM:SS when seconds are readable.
**3:01:01**
